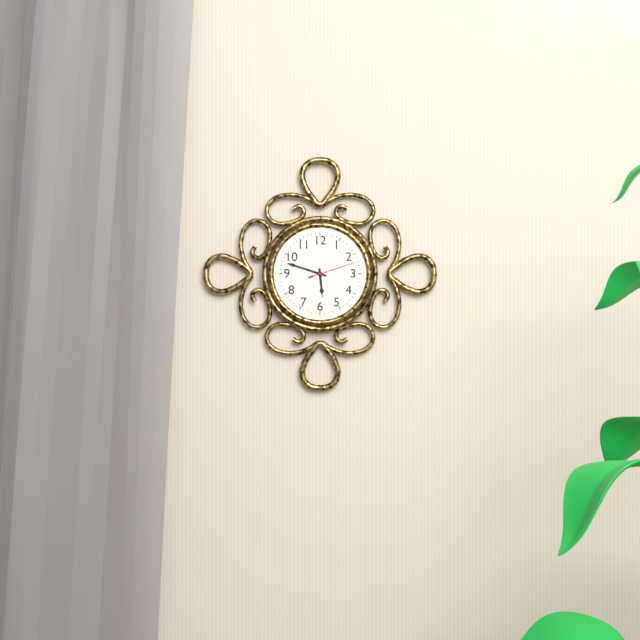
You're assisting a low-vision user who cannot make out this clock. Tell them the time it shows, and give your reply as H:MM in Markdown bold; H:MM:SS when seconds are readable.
**5:48**
